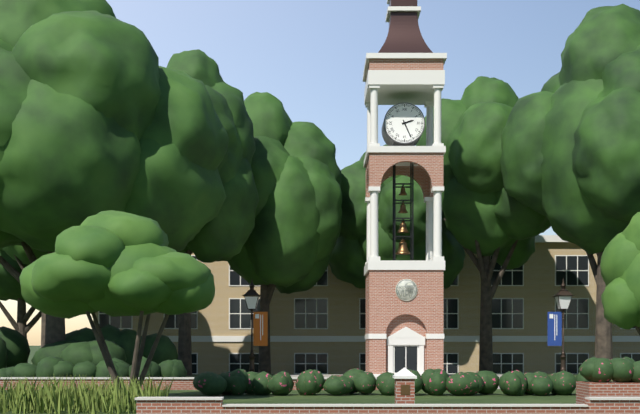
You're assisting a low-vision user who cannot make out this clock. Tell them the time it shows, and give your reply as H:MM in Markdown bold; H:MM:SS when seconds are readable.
**2:26**
